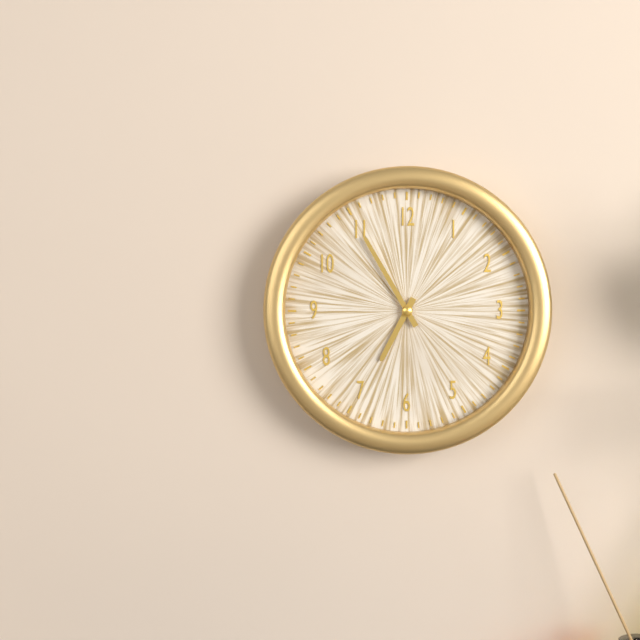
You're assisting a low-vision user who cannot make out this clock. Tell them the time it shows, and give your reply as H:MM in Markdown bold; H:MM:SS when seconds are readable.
**6:55**
